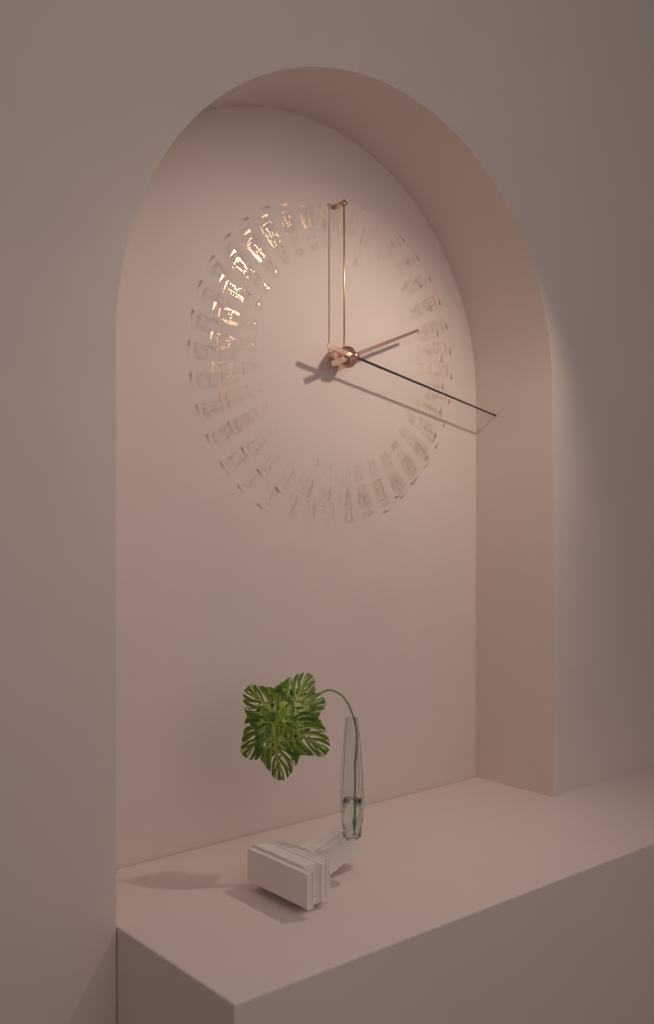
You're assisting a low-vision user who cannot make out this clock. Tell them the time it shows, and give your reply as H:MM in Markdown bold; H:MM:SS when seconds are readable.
**2:17**
